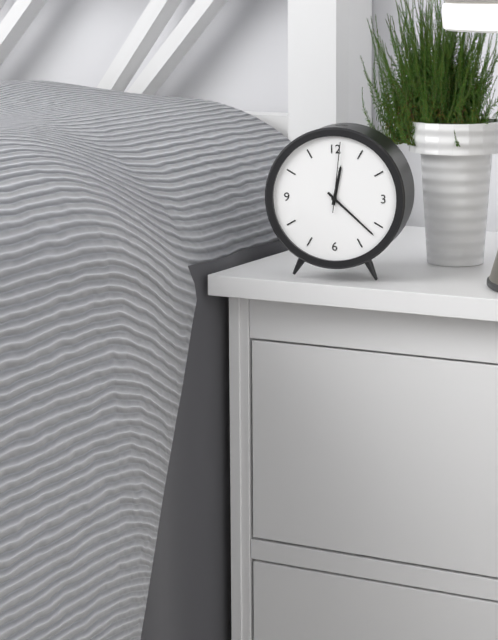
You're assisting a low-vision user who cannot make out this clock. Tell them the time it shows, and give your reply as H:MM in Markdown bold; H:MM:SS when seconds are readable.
**12:22:01**
